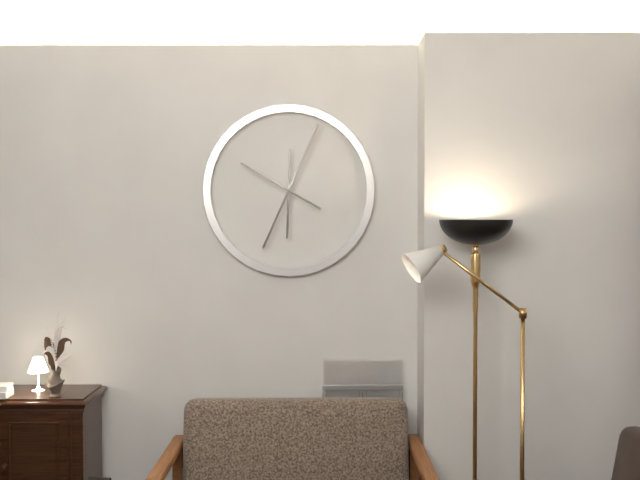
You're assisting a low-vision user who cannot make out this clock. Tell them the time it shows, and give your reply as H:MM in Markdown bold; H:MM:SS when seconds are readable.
**6:04:50**
